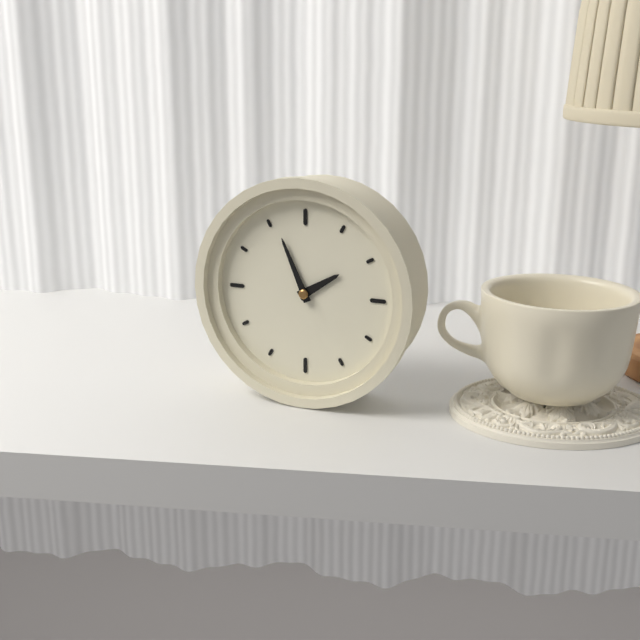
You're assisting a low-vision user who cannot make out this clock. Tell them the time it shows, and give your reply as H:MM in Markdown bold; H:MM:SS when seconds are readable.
**1:56**
